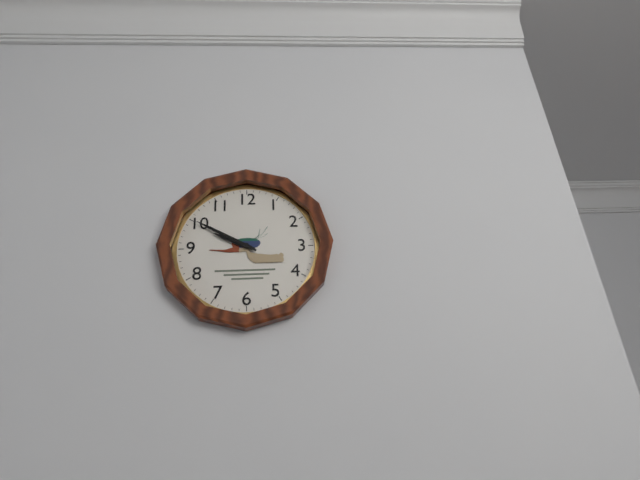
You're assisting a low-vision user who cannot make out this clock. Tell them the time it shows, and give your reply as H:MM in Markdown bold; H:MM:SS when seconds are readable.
**9:50**
